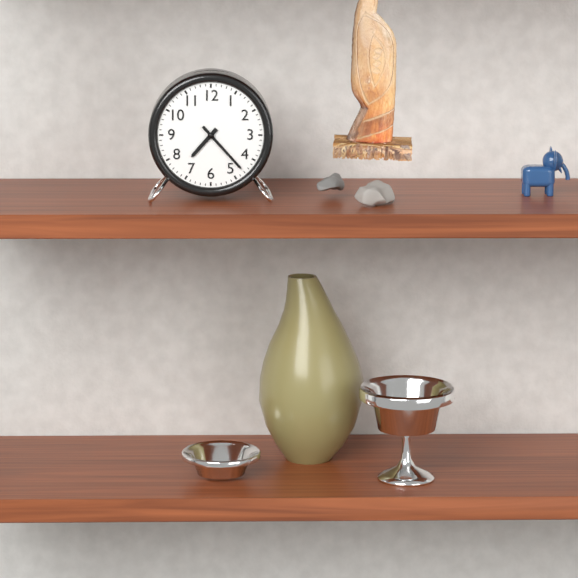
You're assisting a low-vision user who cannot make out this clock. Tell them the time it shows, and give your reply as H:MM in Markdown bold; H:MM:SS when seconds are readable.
**7:23**
